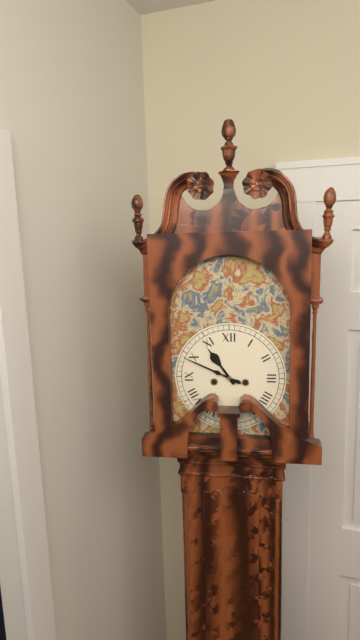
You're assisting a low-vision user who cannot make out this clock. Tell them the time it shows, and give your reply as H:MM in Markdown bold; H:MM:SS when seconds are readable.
**10:49**
